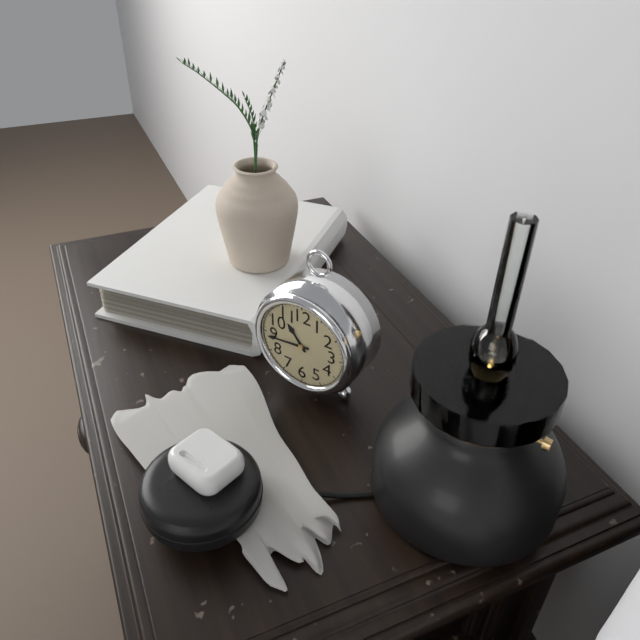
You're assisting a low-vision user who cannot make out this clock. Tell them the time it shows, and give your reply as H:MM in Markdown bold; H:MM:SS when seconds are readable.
**10:44**
